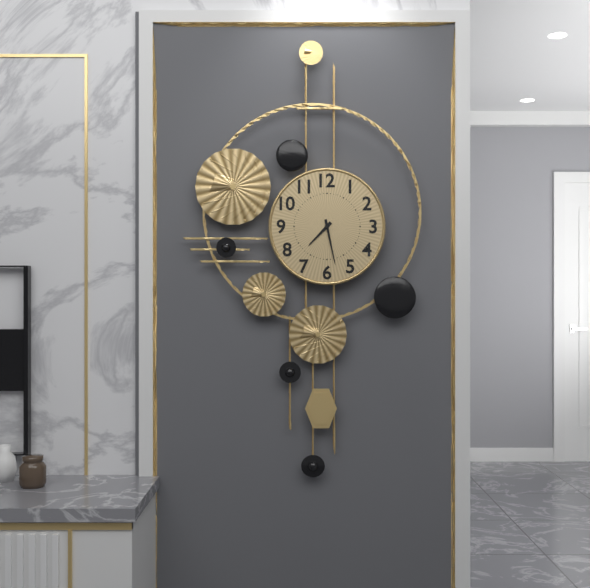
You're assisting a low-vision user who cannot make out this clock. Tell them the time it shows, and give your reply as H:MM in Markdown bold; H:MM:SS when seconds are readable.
**7:28**
